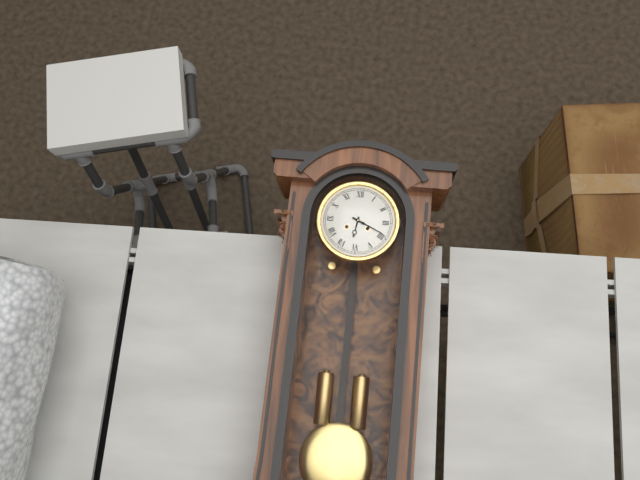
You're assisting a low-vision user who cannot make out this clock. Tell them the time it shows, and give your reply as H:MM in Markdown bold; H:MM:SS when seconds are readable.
**6:19**
